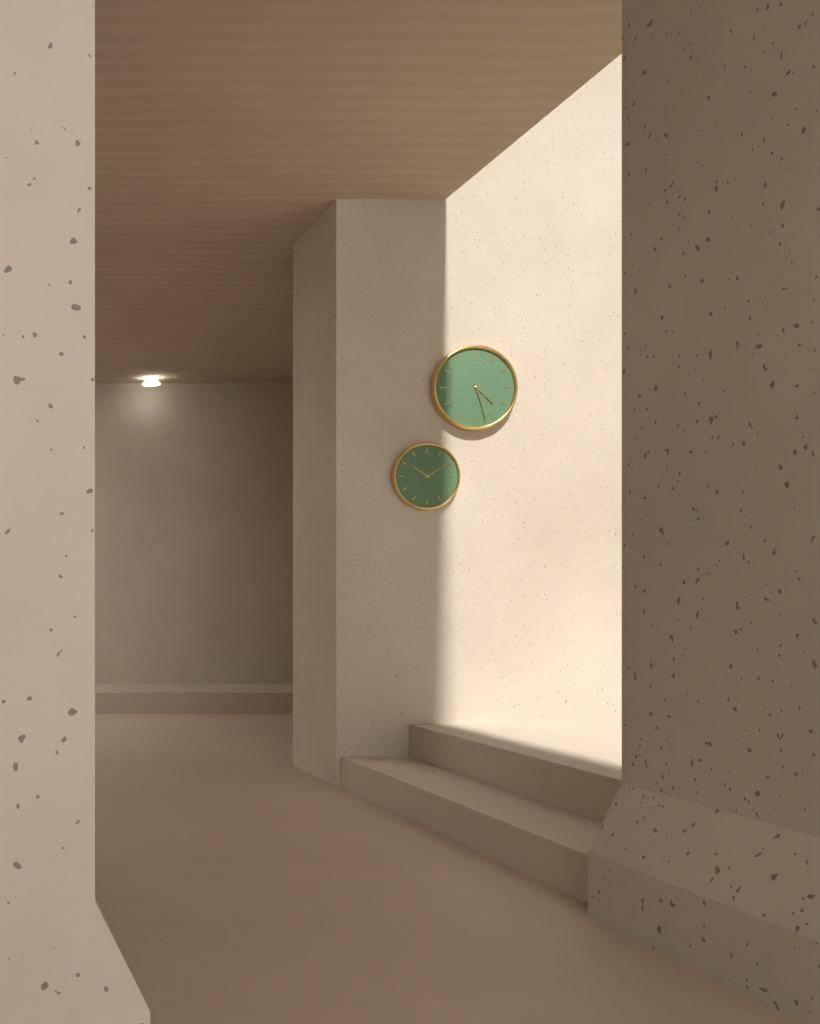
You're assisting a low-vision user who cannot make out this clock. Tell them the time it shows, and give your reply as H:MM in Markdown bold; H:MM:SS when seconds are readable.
**4:27**
